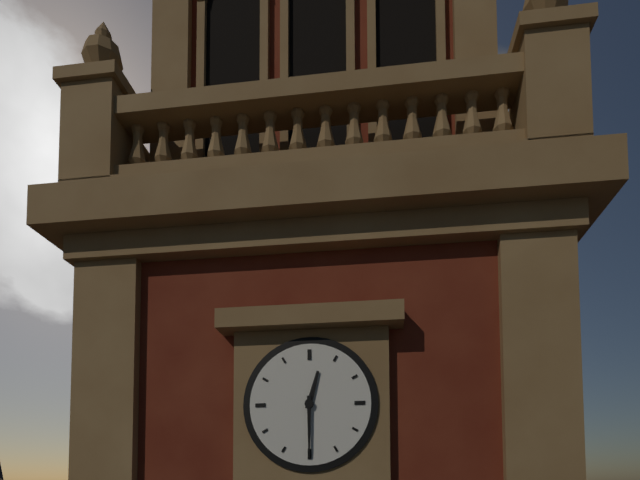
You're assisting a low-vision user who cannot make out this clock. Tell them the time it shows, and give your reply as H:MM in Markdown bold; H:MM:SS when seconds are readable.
**12:30**
